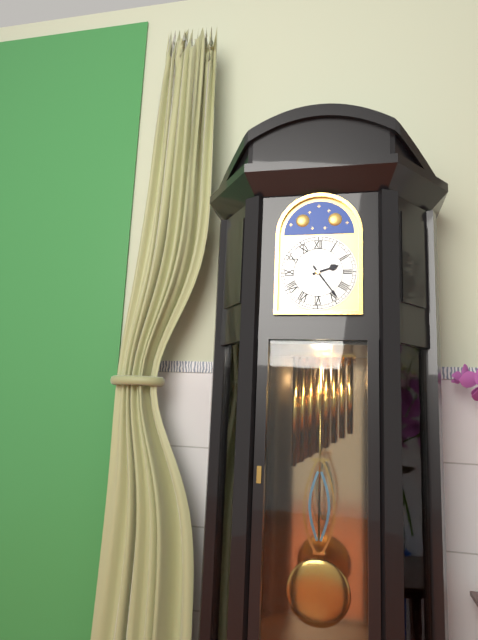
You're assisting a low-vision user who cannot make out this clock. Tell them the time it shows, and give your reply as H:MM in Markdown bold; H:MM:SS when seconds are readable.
**2:24**
